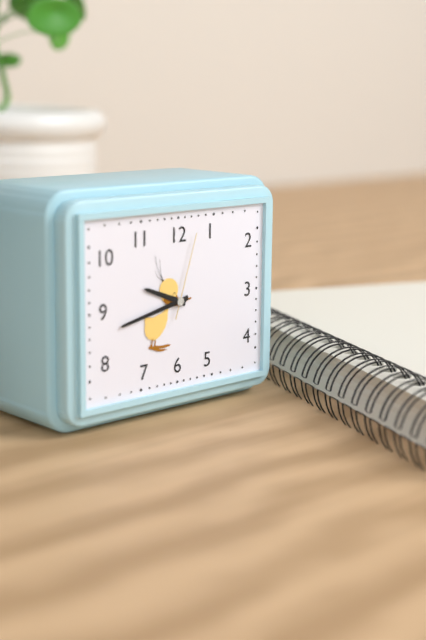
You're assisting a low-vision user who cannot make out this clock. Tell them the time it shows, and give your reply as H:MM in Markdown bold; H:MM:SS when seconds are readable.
**9:43:03**
